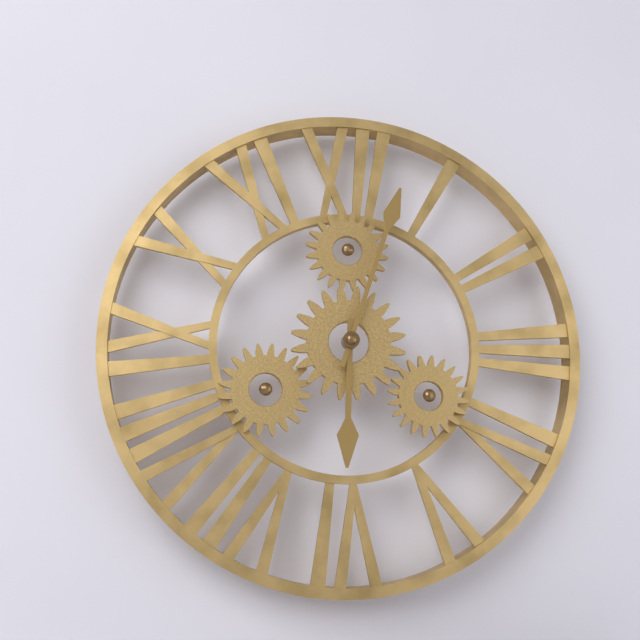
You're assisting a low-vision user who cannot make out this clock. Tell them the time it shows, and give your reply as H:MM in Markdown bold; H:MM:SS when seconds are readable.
**6:03**
